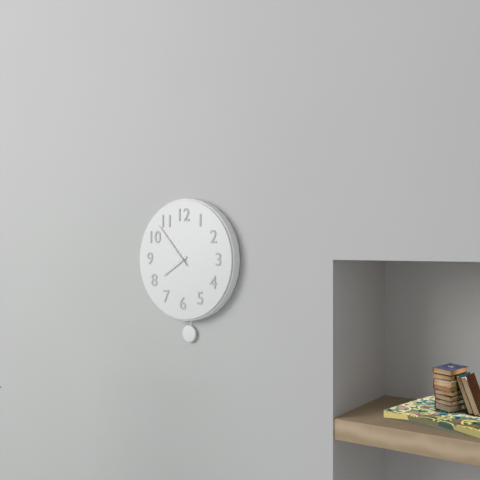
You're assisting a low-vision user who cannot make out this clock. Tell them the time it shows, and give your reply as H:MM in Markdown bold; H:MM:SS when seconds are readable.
**7:53**
